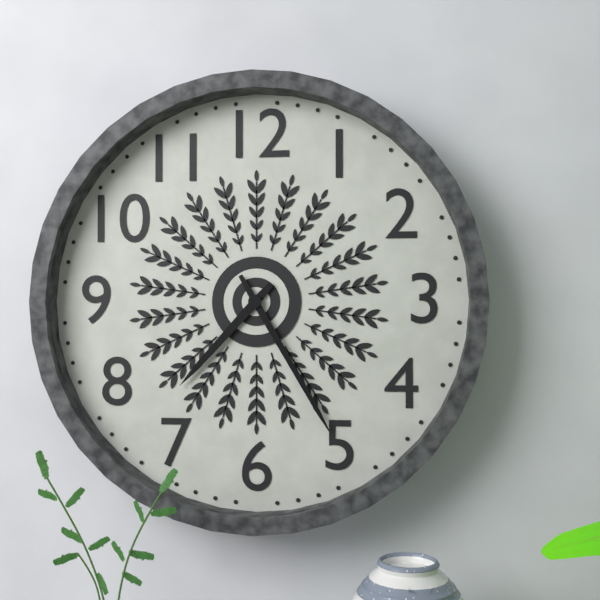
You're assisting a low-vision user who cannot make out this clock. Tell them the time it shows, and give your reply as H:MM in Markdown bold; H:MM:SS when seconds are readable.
**7:25**
